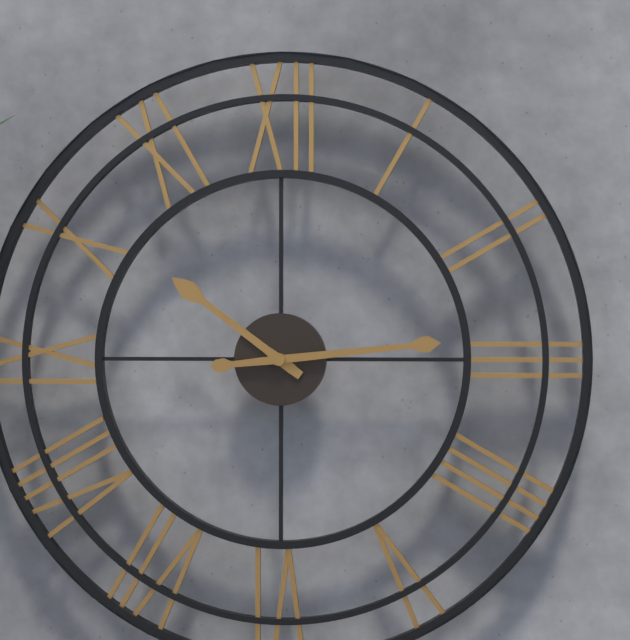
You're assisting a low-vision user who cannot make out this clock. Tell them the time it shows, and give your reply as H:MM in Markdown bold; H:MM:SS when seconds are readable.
**10:14**
